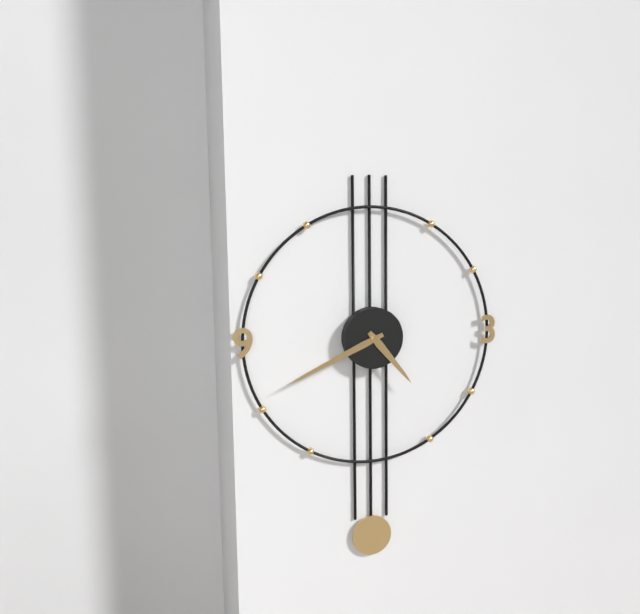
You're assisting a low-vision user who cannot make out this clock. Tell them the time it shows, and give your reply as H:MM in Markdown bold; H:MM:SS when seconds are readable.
**4:41**
